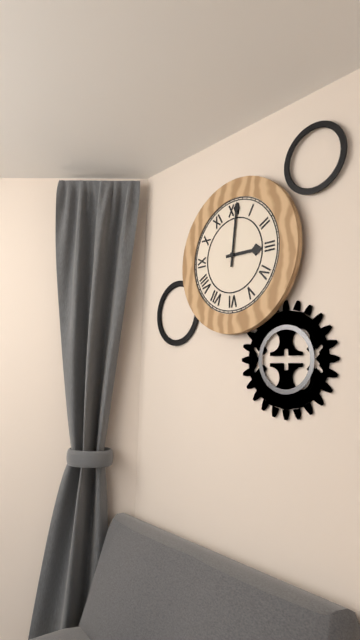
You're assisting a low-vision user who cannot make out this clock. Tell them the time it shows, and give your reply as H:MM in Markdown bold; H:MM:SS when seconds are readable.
**3:01**
